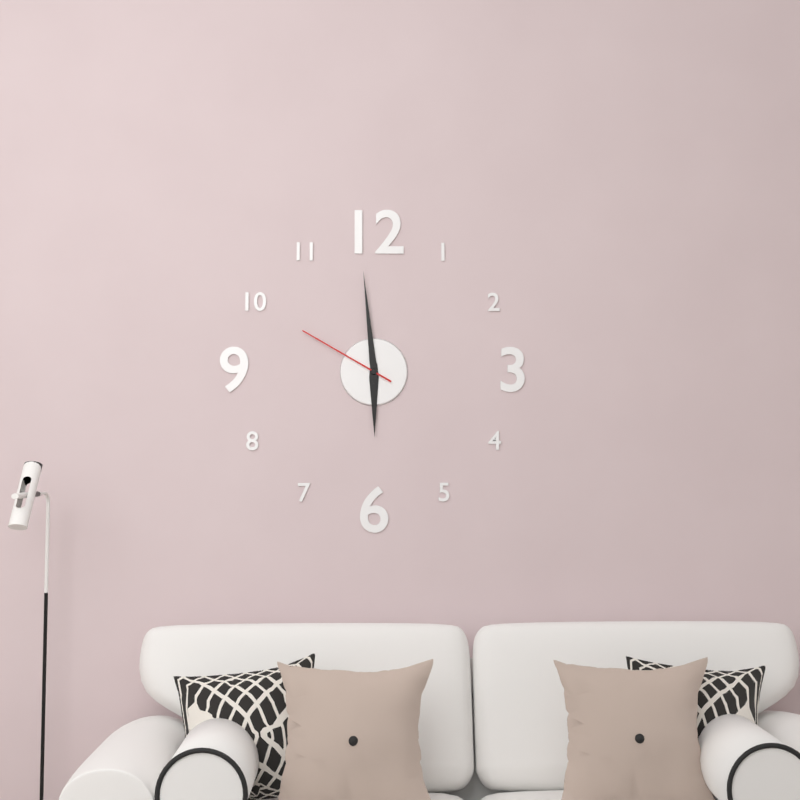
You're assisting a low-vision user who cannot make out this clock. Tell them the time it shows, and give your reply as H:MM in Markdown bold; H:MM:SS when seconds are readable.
**5:59:50**
